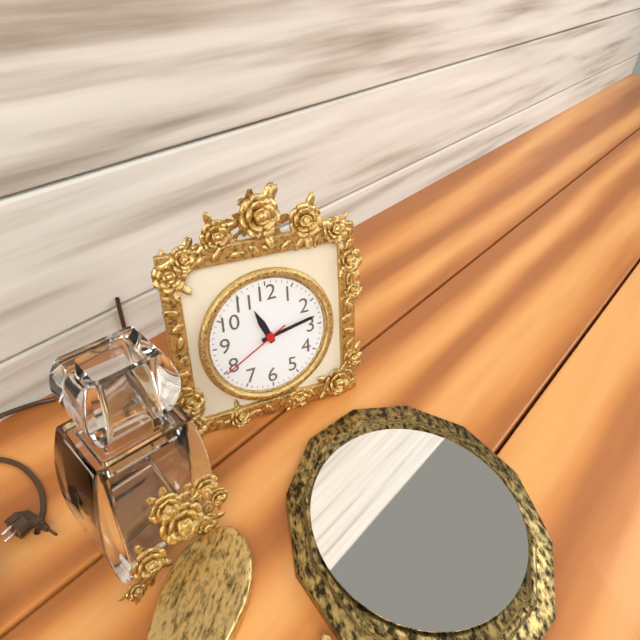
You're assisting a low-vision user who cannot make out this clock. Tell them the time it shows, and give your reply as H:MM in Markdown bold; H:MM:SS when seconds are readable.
**11:13:40**
